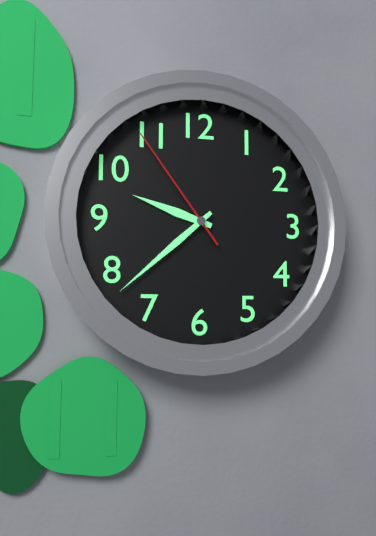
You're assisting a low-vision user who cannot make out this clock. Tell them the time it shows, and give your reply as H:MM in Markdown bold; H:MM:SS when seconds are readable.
**9:38:54**
